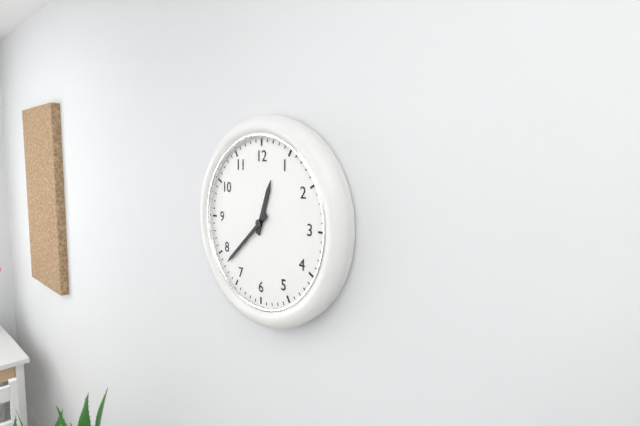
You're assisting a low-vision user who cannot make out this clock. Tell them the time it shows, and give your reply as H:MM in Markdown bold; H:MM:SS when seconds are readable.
**12:38**
